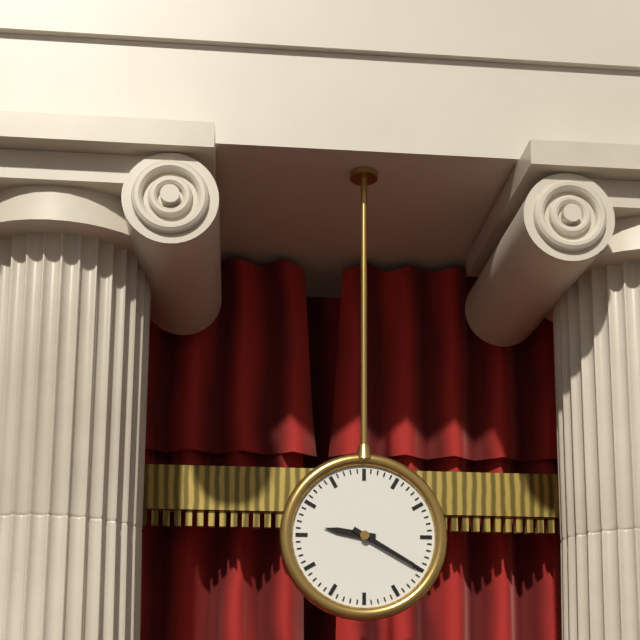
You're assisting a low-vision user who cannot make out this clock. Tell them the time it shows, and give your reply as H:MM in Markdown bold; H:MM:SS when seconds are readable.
**9:20**
